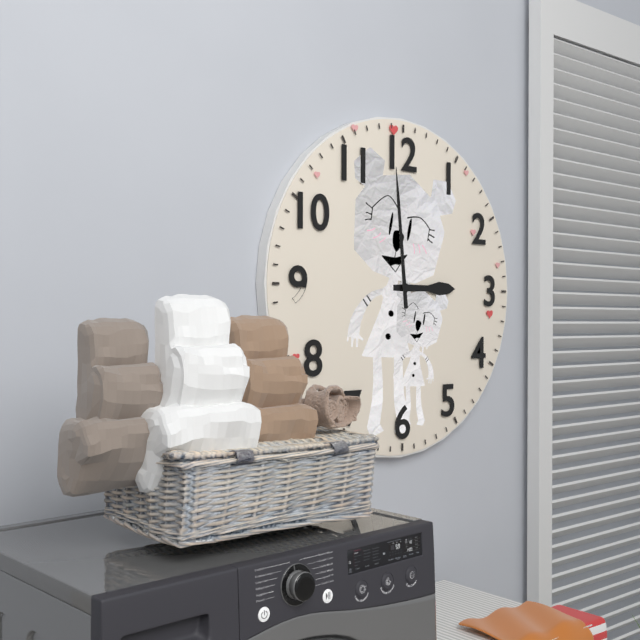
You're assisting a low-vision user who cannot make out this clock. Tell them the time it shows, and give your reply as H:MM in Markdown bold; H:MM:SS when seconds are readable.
**2:59**
